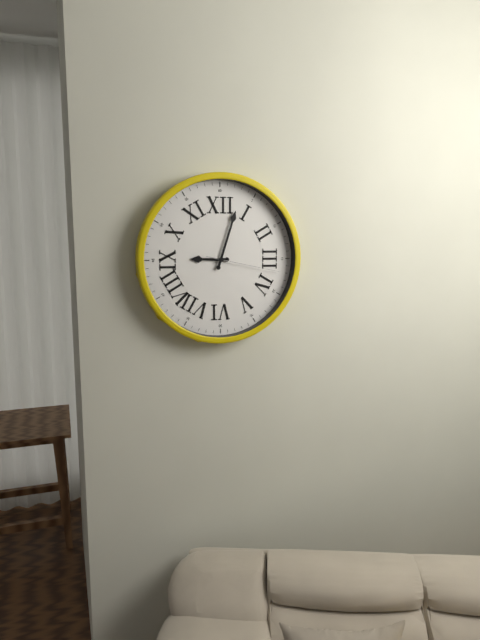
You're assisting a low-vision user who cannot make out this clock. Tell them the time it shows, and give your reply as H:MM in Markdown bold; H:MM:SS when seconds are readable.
**9:03:17**
